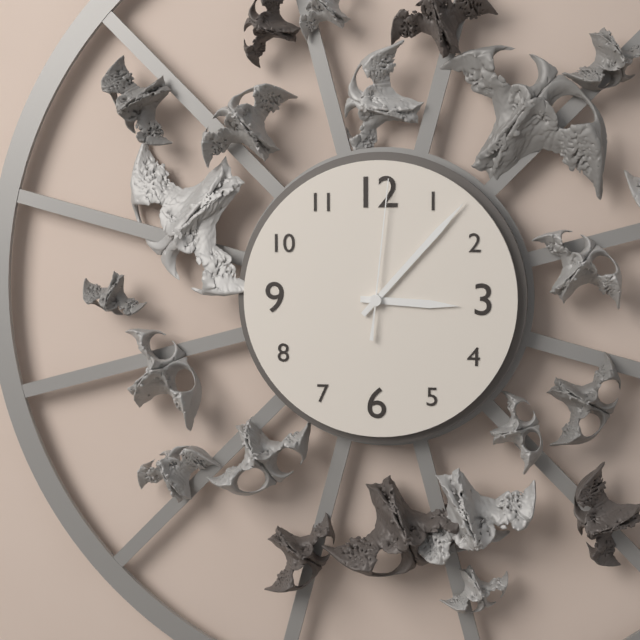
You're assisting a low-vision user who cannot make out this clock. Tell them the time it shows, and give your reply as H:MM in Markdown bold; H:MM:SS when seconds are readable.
**3:07:01**
